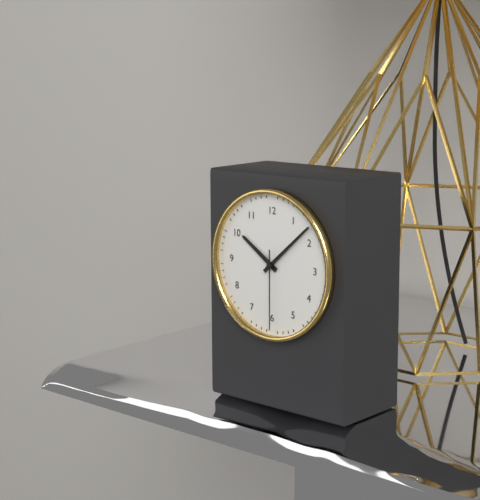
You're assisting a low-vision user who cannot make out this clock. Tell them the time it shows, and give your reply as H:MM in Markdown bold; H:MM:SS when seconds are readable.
**10:08:30**
